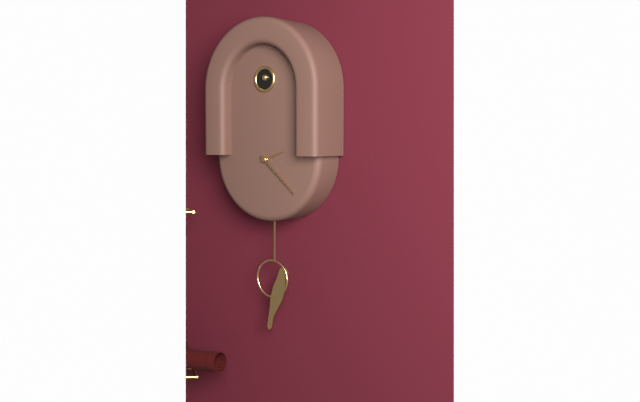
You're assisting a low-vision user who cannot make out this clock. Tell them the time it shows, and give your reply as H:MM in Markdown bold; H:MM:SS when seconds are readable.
**2:22**
